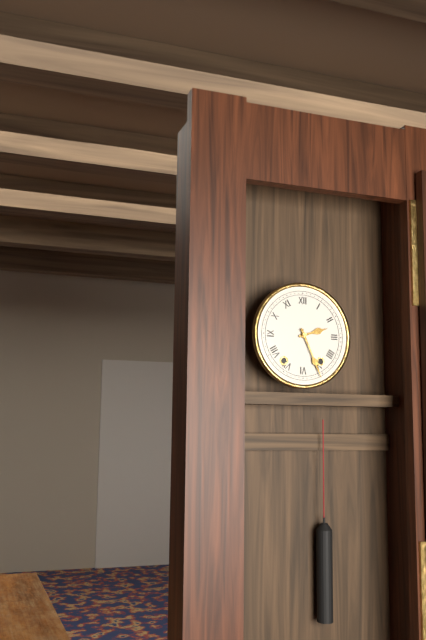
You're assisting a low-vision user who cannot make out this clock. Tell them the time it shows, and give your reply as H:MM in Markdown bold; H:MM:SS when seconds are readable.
**2:26**
